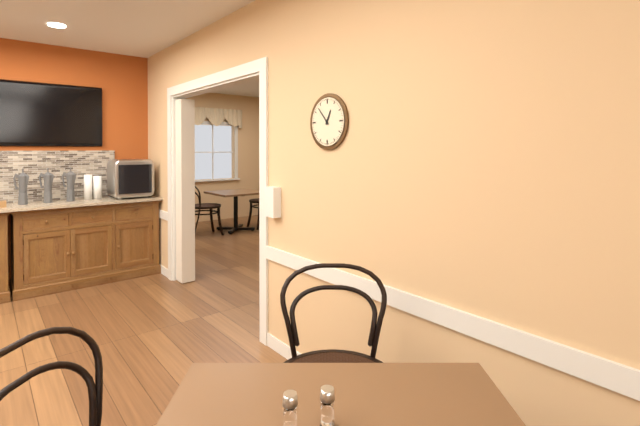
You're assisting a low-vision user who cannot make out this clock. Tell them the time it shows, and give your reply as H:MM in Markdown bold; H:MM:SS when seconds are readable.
**12:53**
